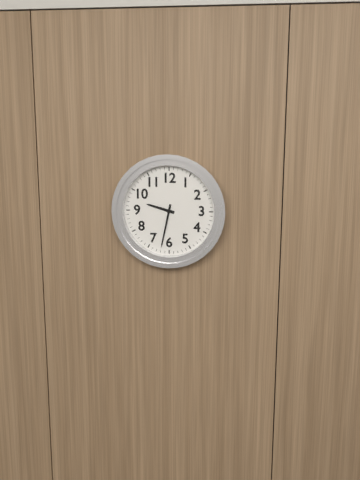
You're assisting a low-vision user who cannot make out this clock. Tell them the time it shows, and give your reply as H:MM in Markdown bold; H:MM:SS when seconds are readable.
**9:32**
